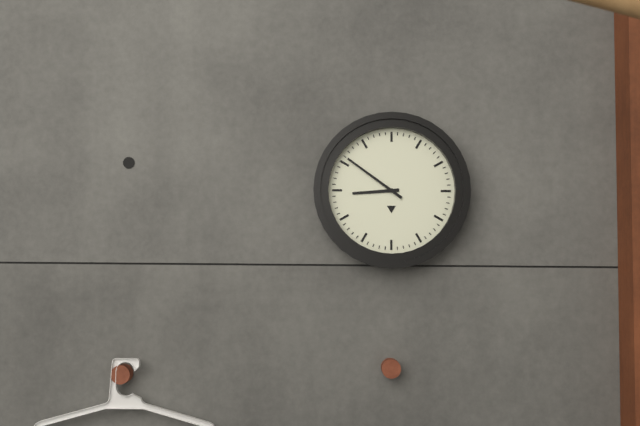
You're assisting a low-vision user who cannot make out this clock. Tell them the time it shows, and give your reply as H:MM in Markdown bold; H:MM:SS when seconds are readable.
**8:51**
